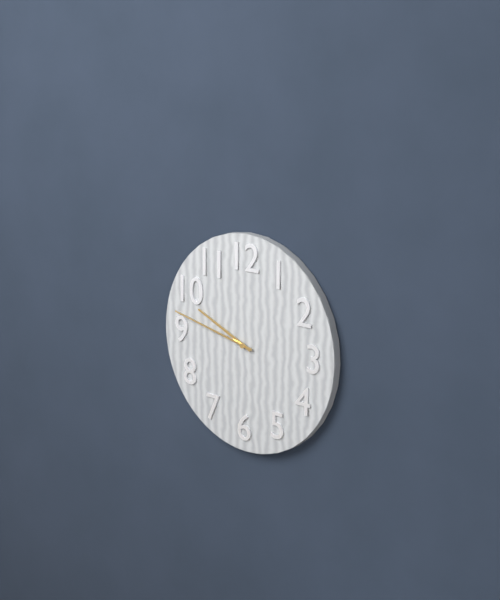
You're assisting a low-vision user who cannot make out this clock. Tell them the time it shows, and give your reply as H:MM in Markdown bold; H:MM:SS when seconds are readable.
**9:47**
